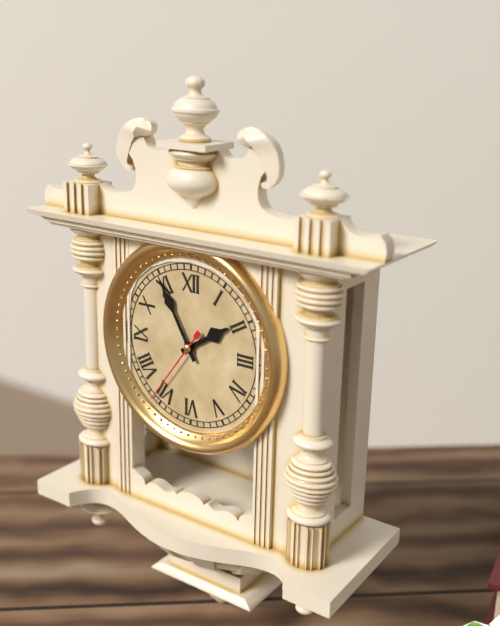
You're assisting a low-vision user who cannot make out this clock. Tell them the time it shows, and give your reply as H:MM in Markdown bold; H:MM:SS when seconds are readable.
**1:55:36**
